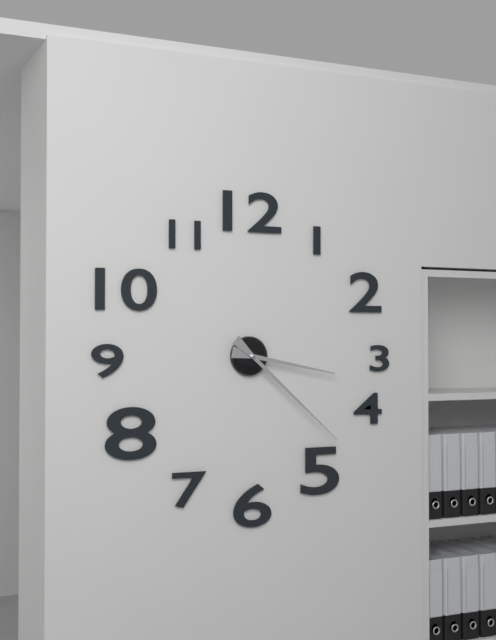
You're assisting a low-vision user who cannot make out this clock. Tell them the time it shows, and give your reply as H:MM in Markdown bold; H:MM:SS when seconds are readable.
**3:22**
